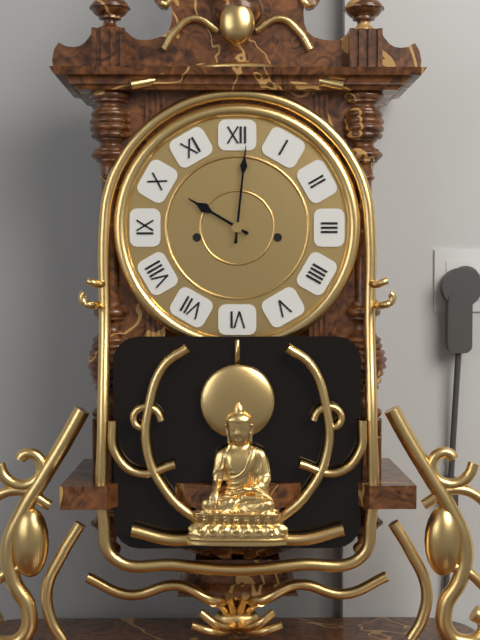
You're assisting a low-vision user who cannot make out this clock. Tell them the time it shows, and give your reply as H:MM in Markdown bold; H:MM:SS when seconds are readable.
**10:01**
